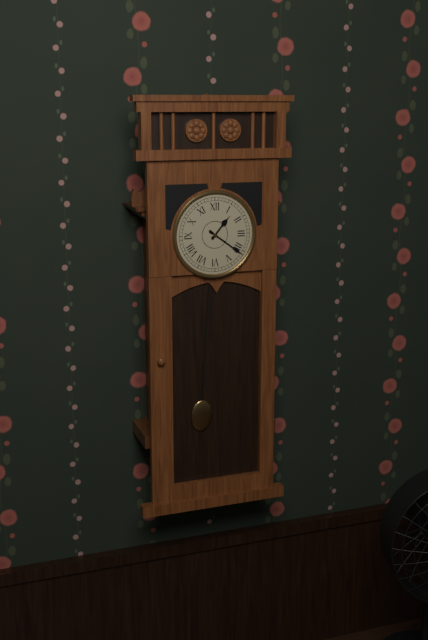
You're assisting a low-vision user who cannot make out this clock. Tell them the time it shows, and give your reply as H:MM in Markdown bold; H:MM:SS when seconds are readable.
**1:21**
